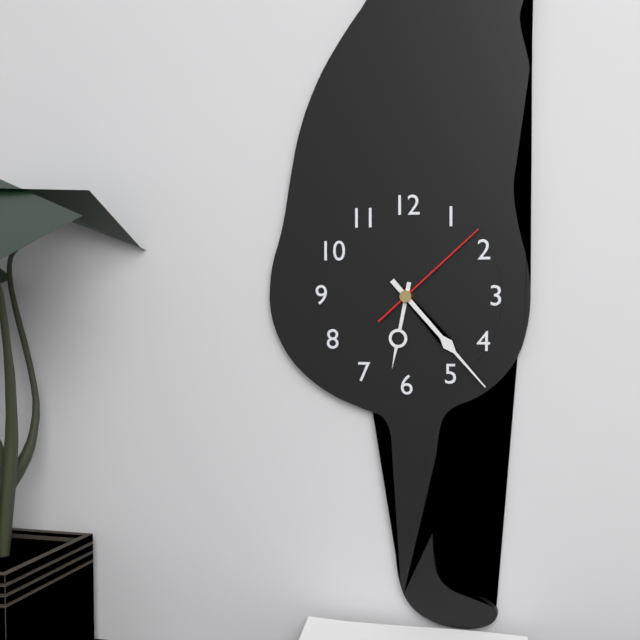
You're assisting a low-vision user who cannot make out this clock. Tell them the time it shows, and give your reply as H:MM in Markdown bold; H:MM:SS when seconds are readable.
**6:23:08**
